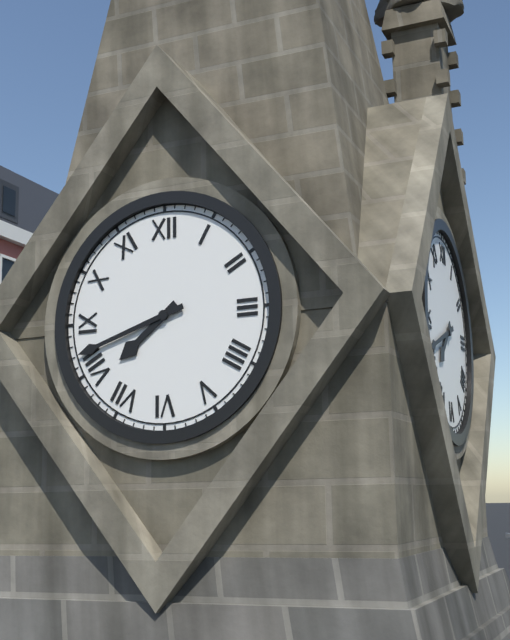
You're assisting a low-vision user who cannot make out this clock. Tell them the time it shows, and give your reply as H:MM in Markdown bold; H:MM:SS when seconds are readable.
**7:42**
